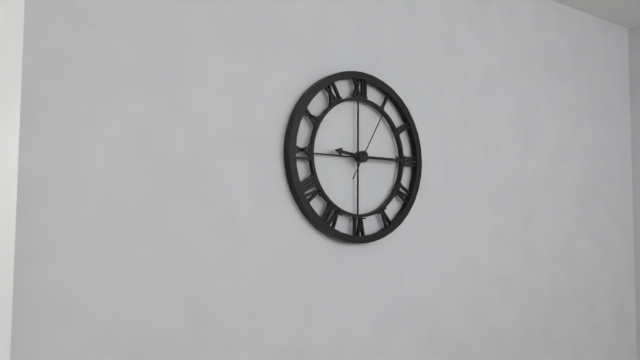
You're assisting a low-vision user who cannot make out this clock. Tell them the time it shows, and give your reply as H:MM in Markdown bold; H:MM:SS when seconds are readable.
**9:15:05**
